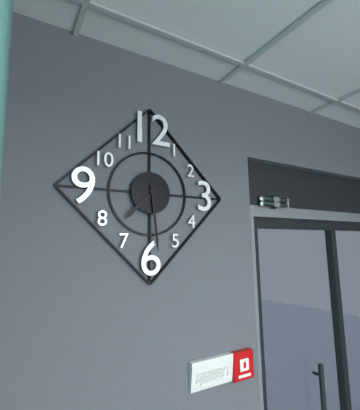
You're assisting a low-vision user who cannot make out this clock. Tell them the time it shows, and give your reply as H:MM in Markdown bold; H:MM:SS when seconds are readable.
**7:29**
